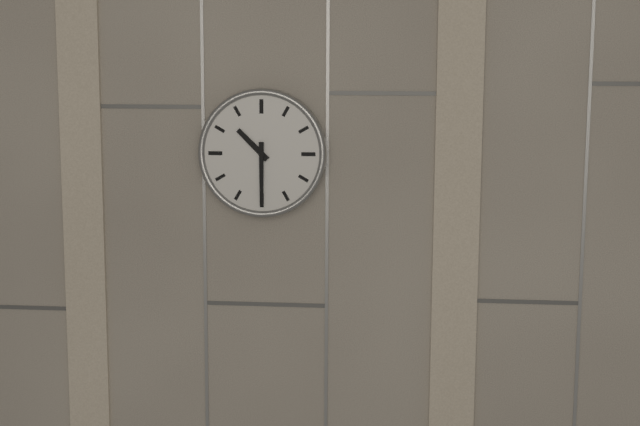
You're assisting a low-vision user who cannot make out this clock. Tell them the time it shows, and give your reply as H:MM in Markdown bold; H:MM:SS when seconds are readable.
**10:30**
